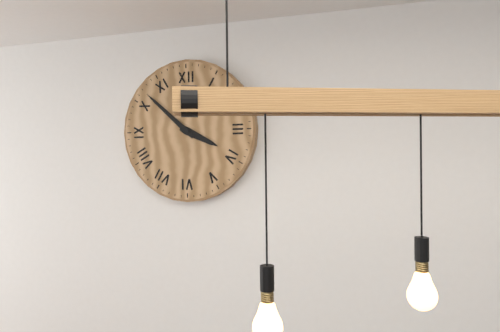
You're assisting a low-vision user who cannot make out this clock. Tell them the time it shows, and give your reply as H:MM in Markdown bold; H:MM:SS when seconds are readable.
**3:52**
